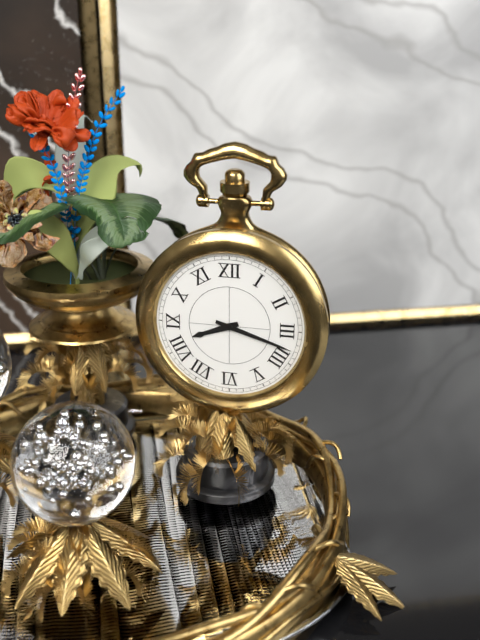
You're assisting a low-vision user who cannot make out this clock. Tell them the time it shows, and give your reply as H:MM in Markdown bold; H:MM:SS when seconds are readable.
**8:18**
